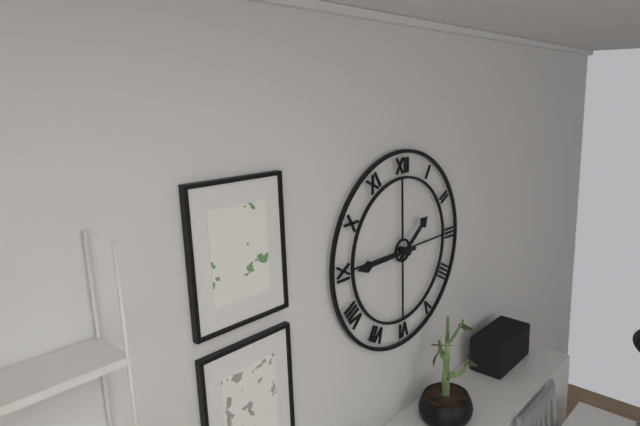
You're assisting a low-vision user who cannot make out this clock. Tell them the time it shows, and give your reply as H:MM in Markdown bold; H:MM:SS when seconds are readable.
**1:45**
